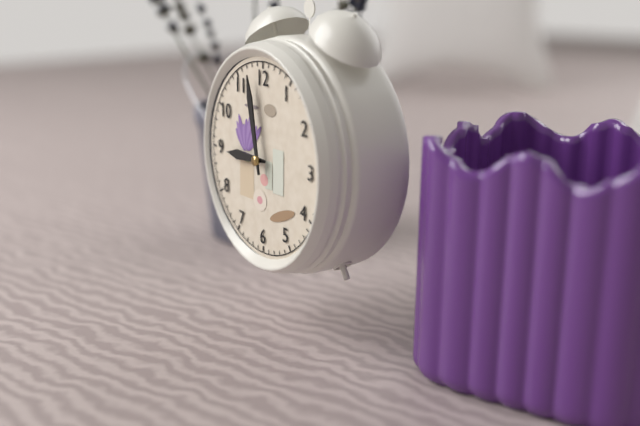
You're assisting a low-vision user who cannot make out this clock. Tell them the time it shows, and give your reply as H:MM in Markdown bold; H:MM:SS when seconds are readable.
**8:58**
